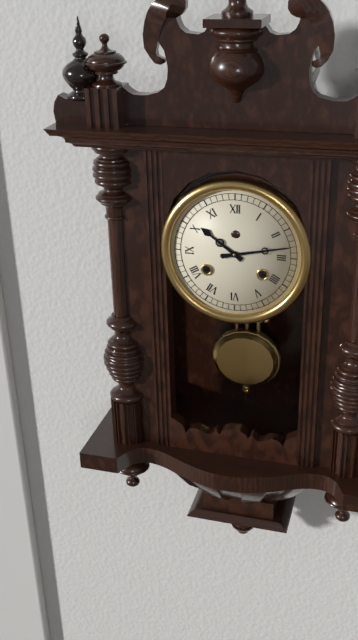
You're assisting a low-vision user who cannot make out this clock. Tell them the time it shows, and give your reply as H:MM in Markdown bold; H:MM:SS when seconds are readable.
**10:13**
